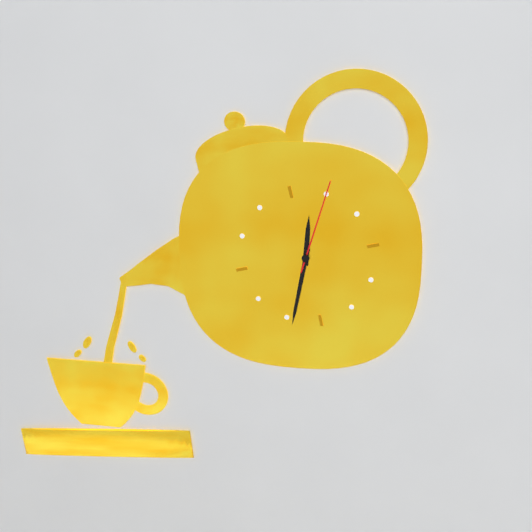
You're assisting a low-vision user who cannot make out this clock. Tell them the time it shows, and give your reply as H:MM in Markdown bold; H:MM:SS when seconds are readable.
**12:34:05**
